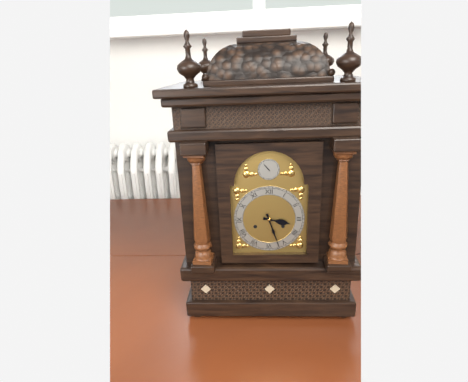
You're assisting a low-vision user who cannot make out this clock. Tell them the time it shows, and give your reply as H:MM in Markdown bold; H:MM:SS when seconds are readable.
**3:27**
